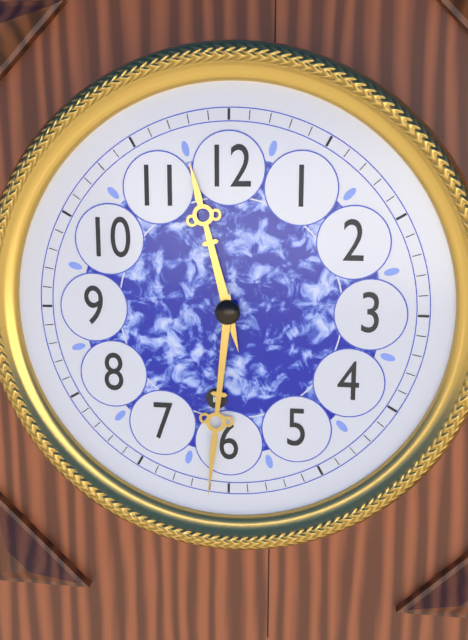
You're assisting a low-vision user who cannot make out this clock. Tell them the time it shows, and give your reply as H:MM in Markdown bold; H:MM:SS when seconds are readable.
**11:31**
